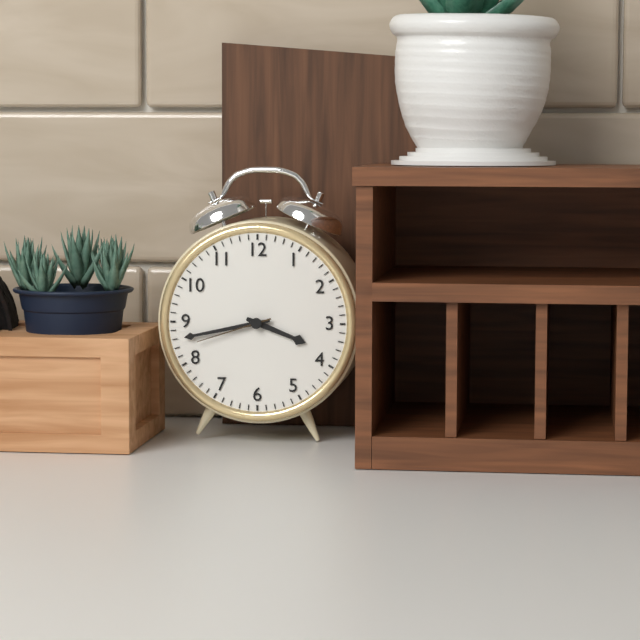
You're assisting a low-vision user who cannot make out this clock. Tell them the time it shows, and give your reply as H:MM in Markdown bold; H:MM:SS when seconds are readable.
**3:43:42**
